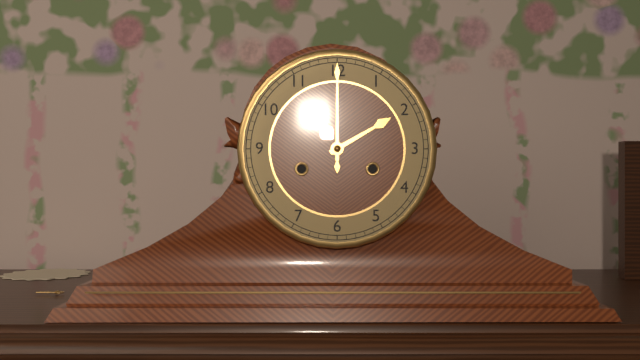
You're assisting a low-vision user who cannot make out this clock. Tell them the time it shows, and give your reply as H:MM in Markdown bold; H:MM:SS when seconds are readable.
**2:00**
